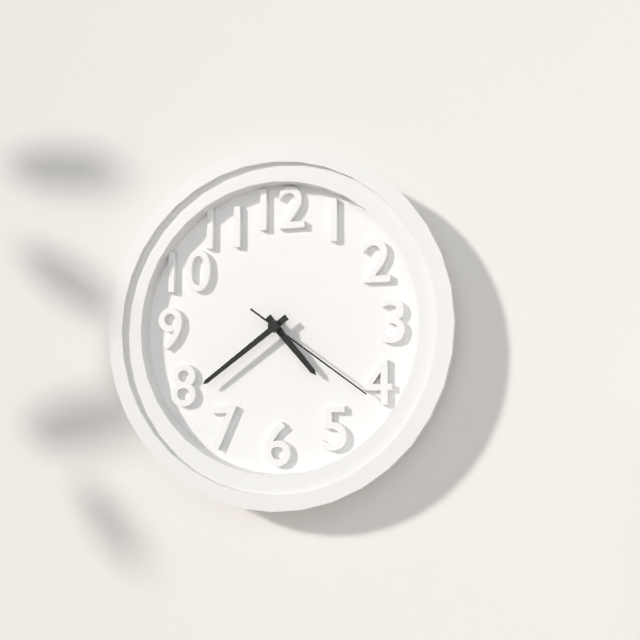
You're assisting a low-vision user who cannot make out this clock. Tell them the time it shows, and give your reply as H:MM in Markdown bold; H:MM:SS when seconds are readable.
**4:39:21**
